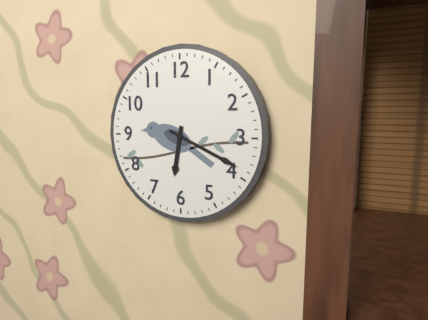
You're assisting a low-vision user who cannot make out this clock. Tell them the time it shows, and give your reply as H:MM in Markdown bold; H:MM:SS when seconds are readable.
**6:19**
